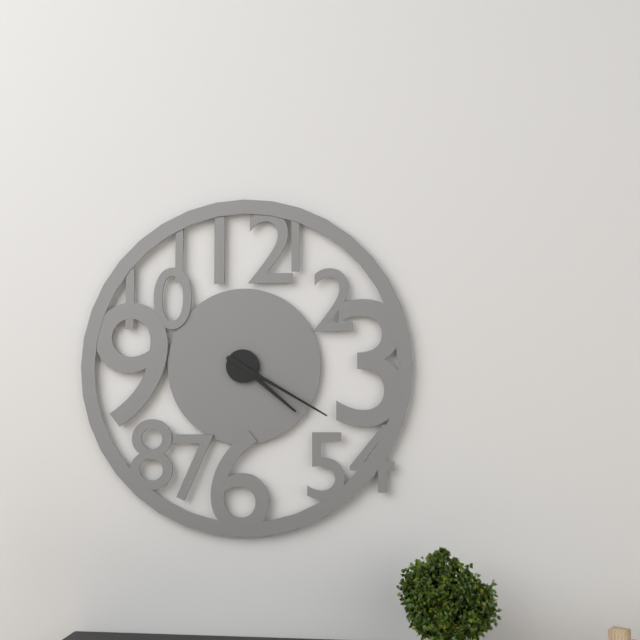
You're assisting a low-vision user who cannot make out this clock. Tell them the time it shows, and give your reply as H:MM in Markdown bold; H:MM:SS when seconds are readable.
**4:20**
